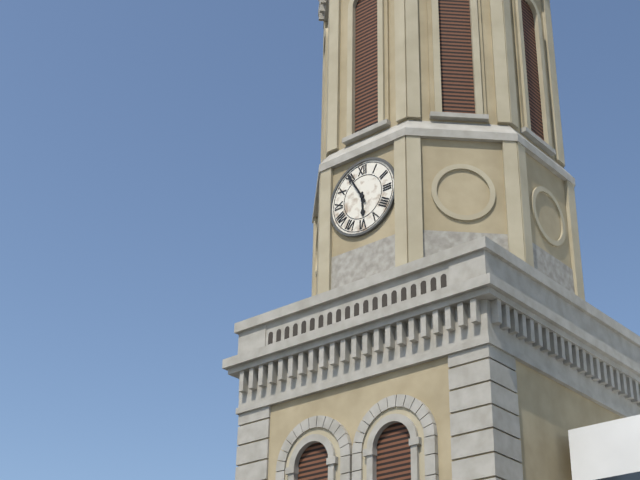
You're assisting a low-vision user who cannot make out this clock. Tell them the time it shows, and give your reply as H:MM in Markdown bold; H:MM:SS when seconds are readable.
**5:55**
